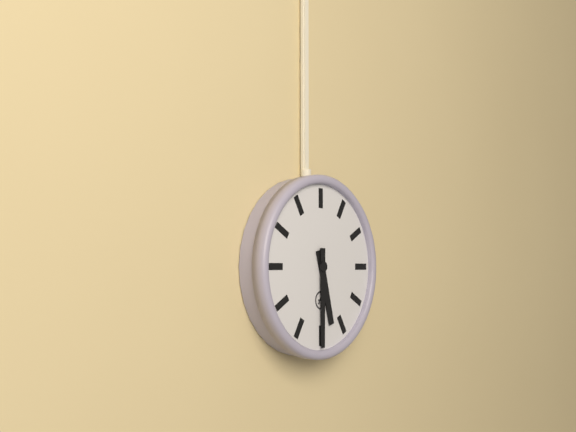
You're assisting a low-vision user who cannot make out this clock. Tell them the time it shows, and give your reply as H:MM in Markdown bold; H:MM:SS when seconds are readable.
**5:30**
